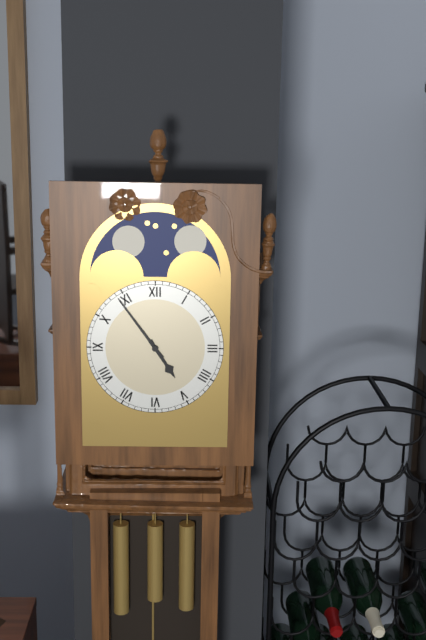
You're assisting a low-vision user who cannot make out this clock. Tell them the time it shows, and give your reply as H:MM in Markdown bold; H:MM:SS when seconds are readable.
**4:54**
